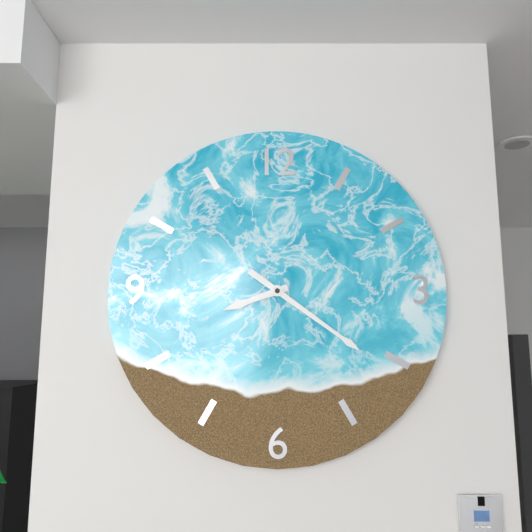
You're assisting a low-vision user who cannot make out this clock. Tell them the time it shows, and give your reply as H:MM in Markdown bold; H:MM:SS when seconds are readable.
**8:21**
